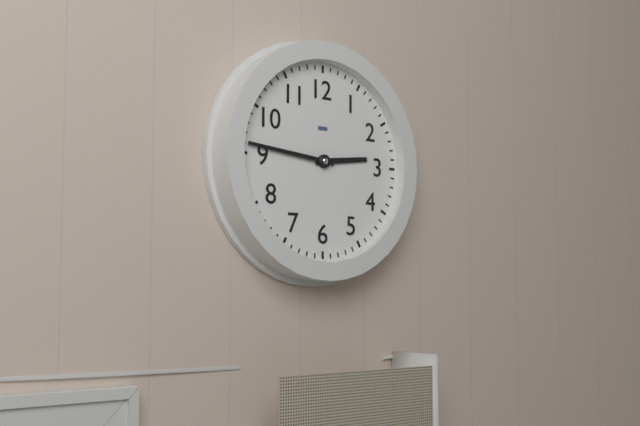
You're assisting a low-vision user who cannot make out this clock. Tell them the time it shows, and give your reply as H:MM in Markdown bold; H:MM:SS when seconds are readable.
**2:46**
